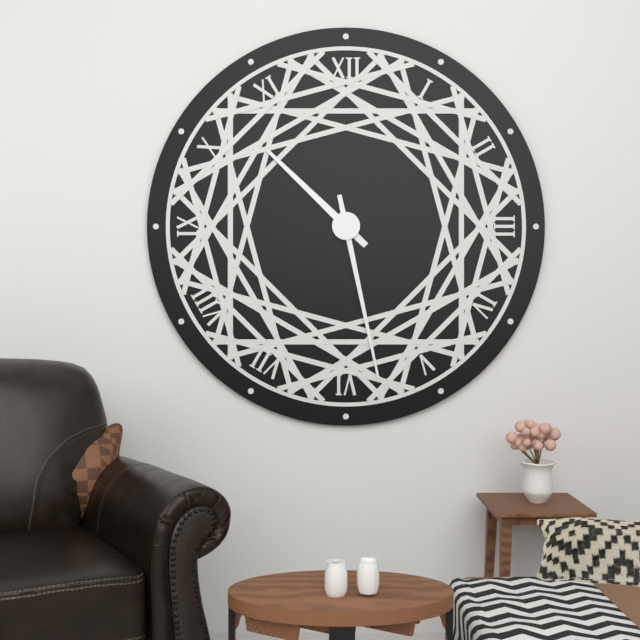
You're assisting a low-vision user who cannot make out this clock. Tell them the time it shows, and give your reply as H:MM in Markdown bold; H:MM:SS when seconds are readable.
**10:28**
